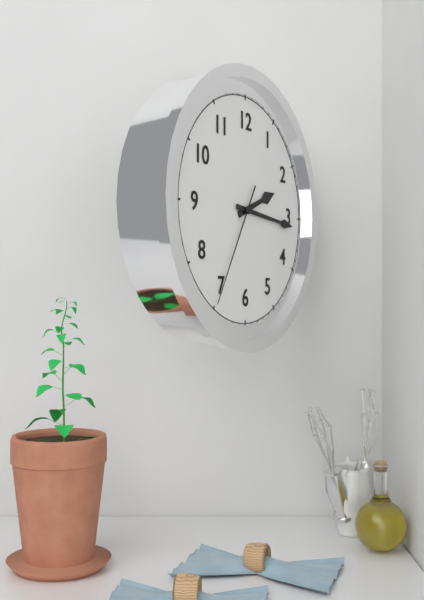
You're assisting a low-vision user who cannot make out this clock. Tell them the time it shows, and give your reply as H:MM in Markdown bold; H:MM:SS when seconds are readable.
**2:16:35**
